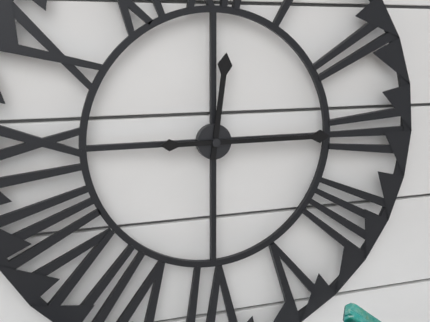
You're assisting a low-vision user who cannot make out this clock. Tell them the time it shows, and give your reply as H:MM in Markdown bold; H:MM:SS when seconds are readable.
**12:15**
